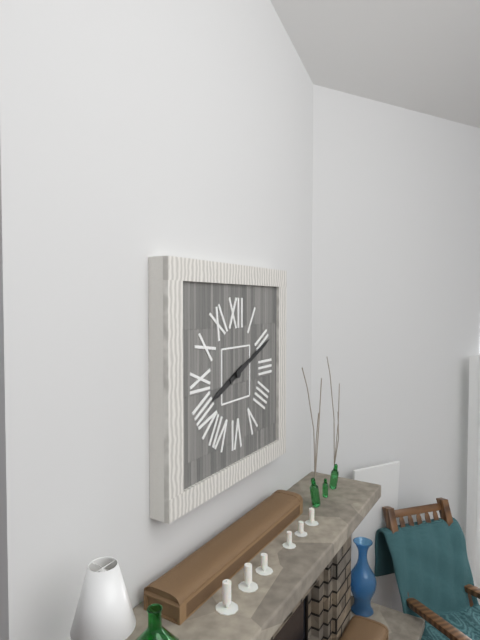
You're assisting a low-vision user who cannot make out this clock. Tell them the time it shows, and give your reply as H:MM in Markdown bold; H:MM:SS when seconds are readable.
**8:11**
